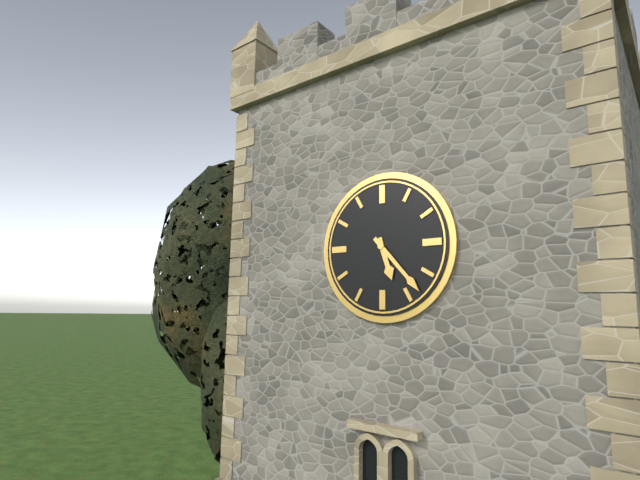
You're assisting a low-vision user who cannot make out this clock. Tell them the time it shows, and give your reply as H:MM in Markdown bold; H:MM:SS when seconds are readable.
**5:23**
